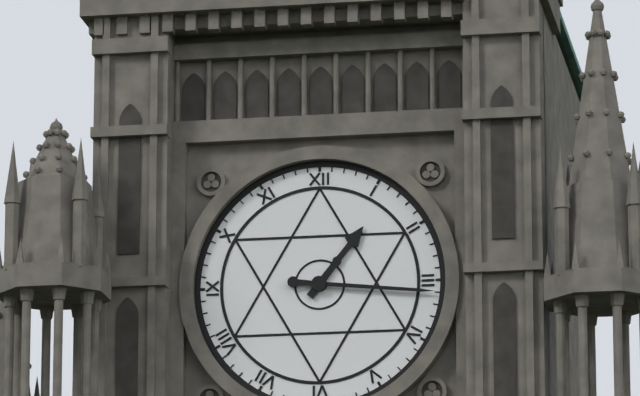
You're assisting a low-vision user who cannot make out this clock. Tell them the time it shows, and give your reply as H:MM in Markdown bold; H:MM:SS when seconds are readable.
**1:16**
